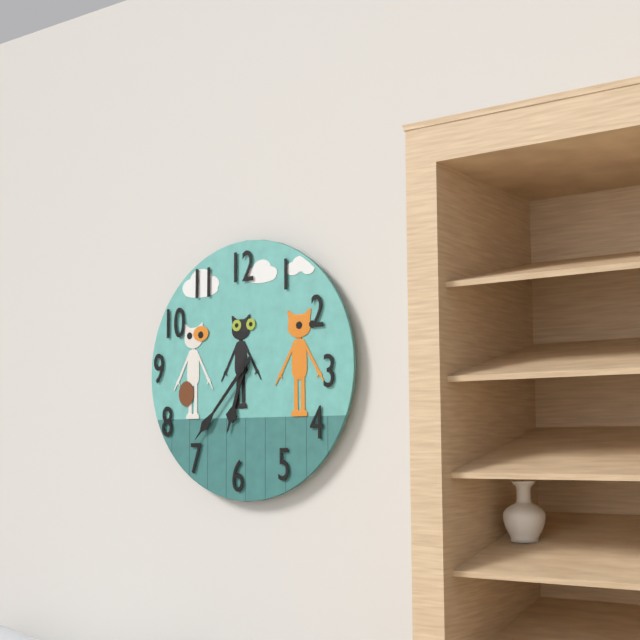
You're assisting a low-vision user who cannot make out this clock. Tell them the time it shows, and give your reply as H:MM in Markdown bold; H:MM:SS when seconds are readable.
**6:37**
